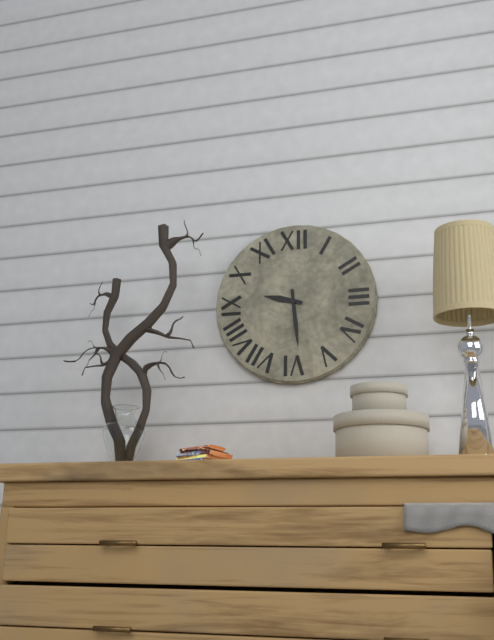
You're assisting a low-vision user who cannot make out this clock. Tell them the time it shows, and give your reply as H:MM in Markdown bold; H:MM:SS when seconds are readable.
**9:29**
